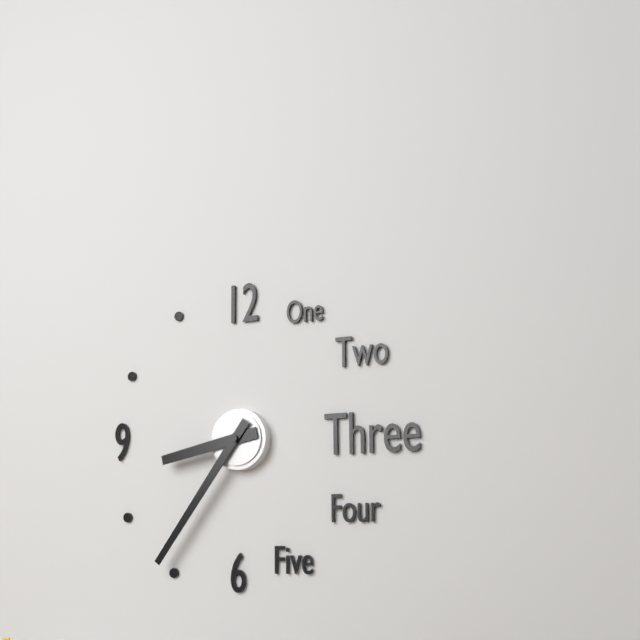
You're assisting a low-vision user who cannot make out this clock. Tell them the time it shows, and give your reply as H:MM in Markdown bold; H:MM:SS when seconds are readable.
**8:36**
